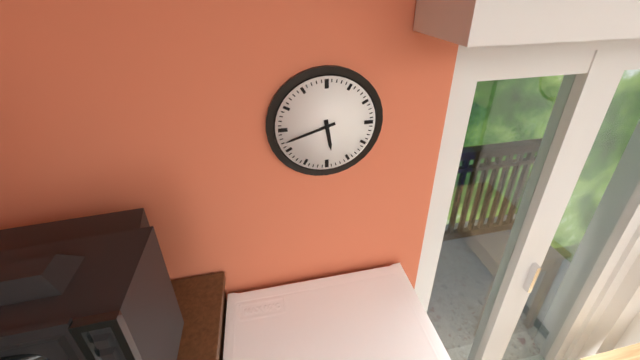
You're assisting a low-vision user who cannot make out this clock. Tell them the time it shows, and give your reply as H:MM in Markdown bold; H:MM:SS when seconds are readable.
**5:42**
